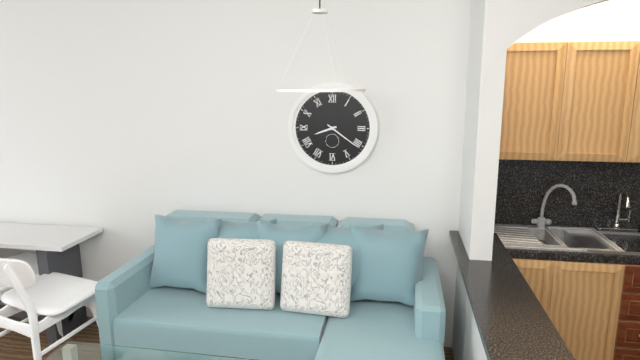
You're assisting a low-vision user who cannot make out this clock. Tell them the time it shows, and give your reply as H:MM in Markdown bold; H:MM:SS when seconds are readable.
**8:21**
